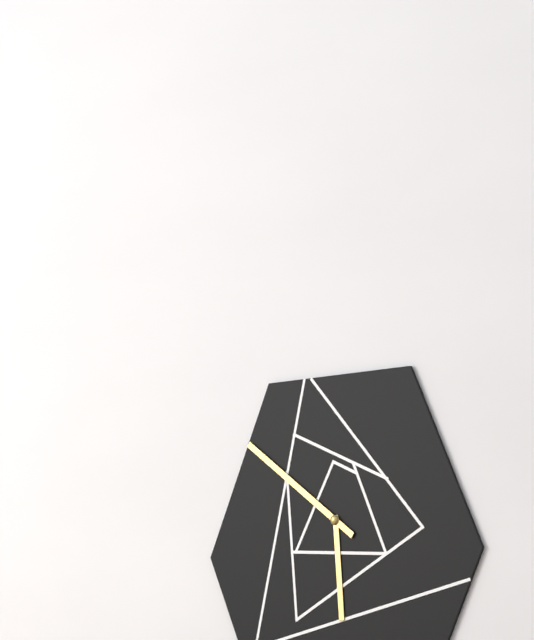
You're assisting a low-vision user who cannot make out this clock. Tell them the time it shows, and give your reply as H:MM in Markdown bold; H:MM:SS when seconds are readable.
**5:51**
